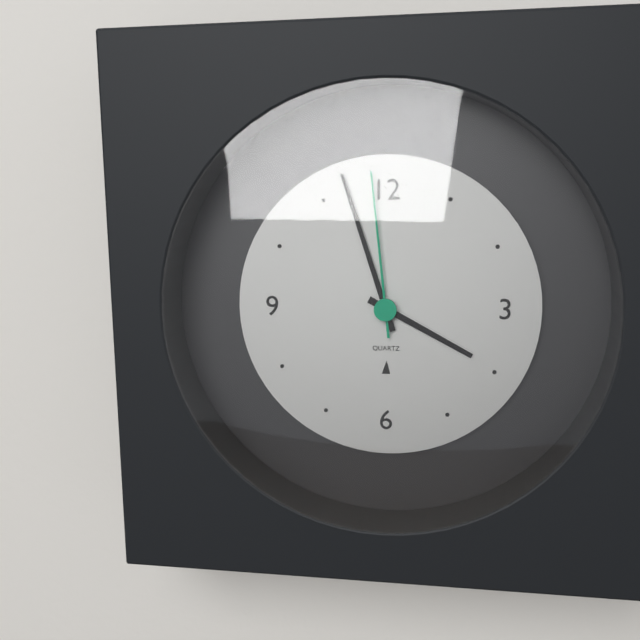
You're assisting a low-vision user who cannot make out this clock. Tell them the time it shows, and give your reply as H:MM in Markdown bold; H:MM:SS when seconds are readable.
**3:57:59**
